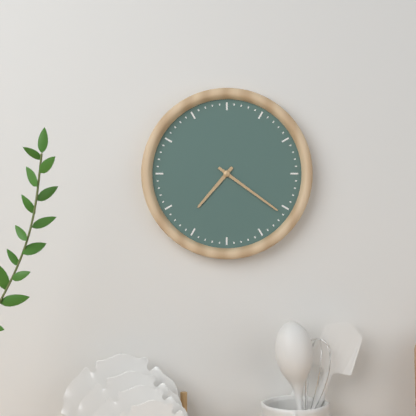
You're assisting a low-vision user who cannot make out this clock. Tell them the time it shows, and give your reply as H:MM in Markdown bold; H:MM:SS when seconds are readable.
**7:21**
